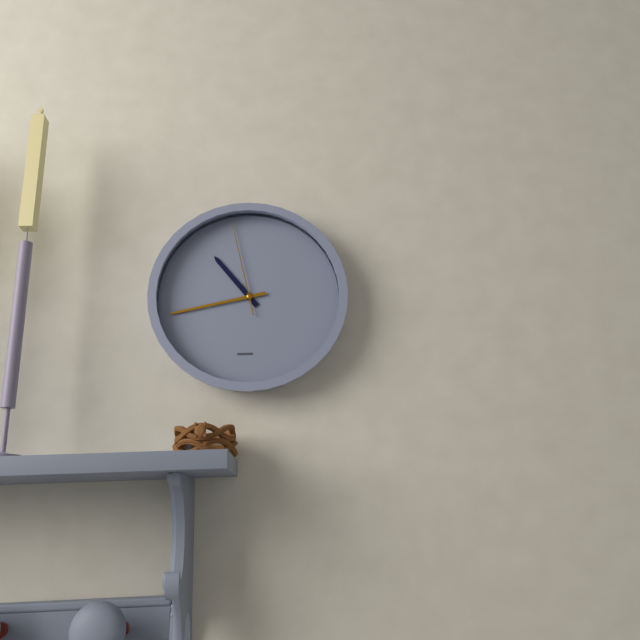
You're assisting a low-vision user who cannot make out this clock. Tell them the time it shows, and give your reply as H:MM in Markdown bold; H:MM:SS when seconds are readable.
**10:43:58**
